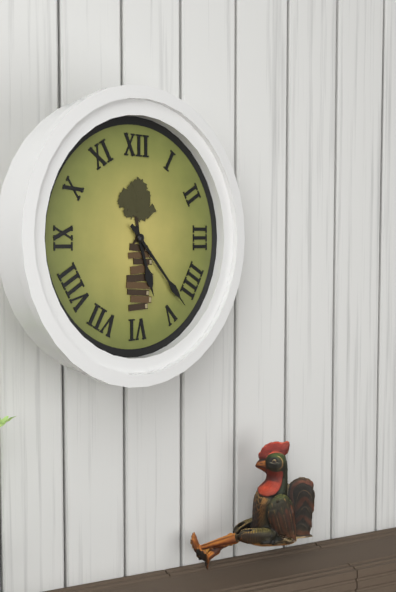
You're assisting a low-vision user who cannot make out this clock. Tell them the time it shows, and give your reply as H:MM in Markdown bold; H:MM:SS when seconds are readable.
**5:23**
